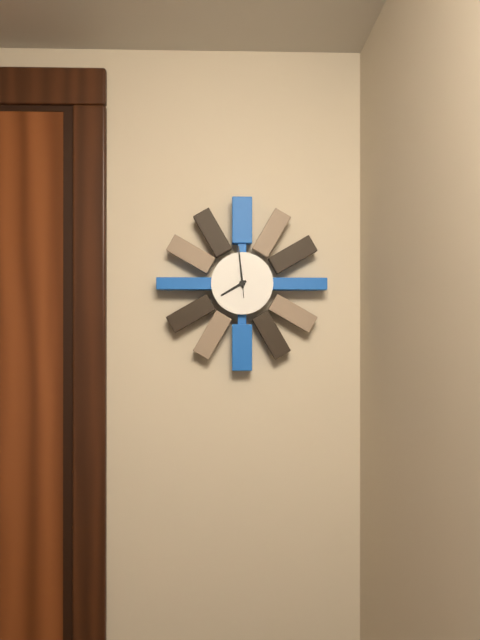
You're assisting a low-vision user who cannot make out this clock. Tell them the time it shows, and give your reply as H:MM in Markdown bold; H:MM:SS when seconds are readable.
**7:59**
